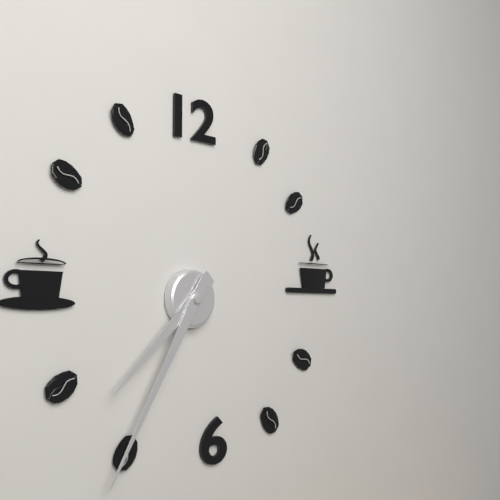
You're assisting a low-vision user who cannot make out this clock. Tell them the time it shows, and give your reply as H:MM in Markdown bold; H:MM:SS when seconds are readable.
**7:35**
